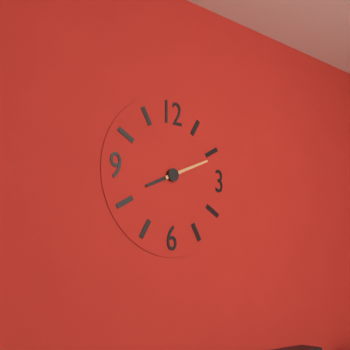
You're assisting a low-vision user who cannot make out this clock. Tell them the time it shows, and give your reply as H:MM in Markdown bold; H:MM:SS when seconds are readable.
**8:11**
